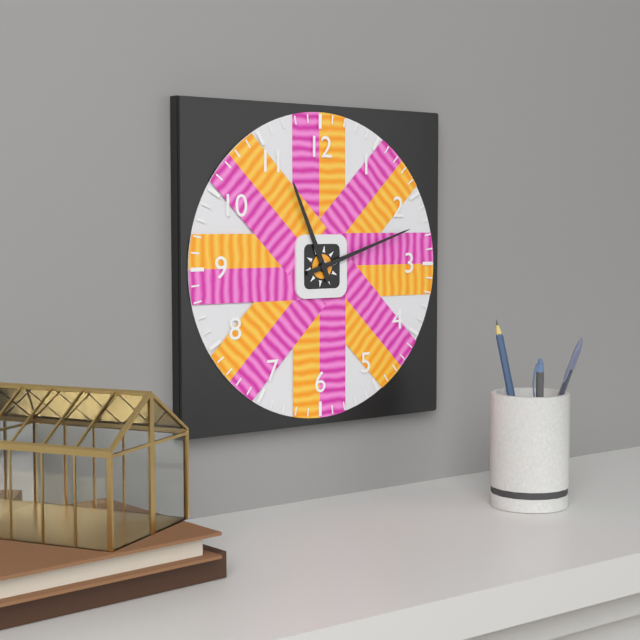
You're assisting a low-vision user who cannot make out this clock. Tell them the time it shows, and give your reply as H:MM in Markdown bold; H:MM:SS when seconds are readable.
**11:12**
